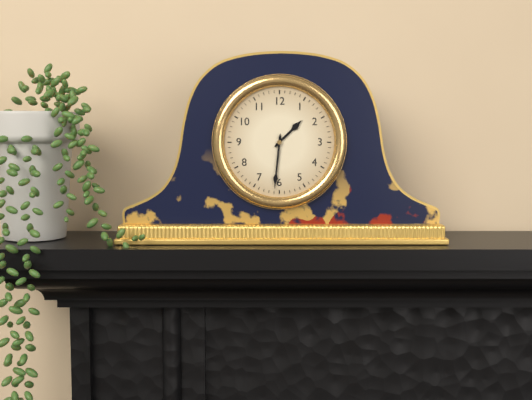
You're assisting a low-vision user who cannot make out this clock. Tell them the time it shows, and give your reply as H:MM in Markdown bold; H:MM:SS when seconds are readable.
**1:31**
